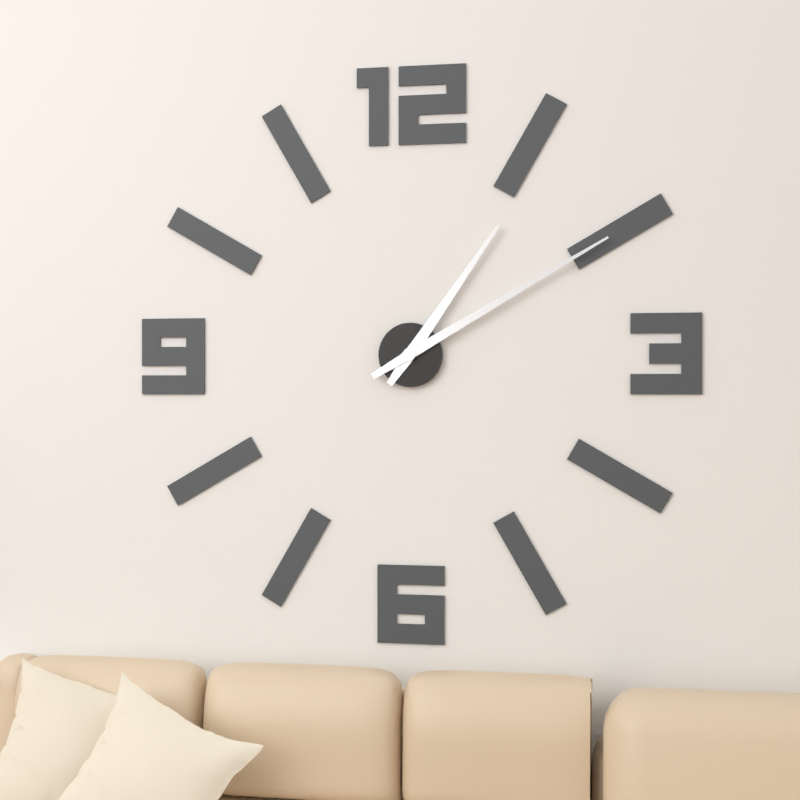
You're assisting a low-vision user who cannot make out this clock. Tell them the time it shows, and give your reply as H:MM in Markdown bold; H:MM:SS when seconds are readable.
**1:10**
